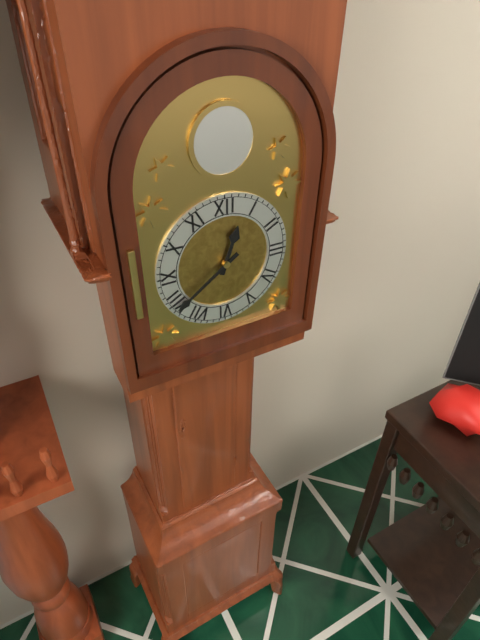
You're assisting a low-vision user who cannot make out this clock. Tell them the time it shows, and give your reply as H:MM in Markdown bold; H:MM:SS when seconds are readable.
**12:39**
